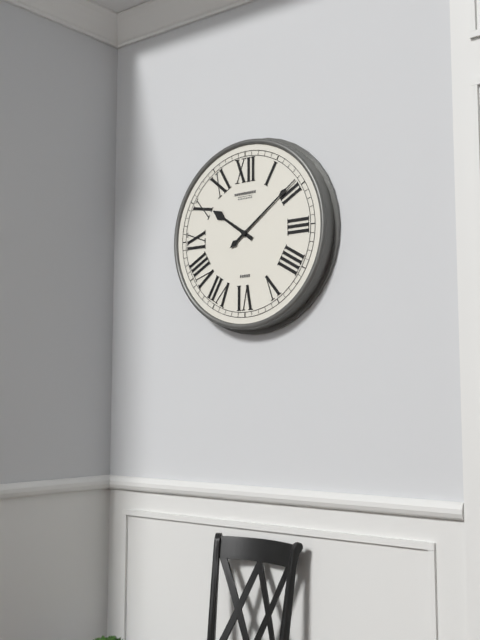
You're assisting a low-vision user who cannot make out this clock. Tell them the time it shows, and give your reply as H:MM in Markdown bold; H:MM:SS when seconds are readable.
**10:09**
